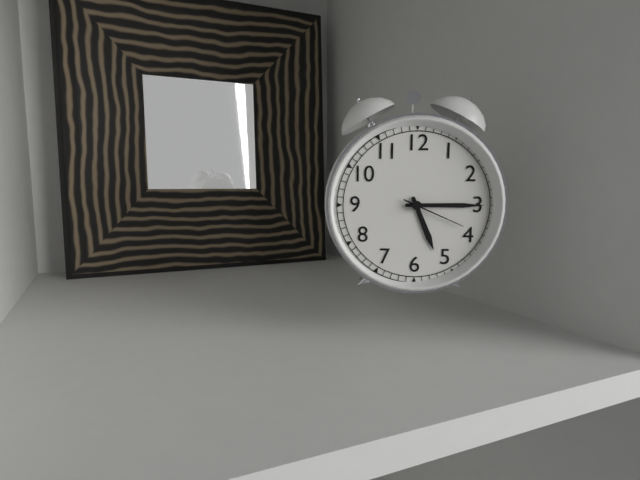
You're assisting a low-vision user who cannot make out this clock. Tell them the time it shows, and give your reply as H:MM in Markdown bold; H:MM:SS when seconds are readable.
**5:15:19**
